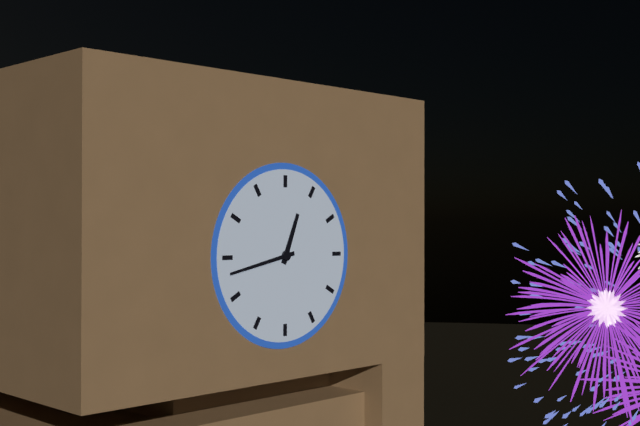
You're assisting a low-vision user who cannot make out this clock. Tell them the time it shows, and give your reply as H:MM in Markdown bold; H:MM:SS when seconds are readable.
**12:43**
